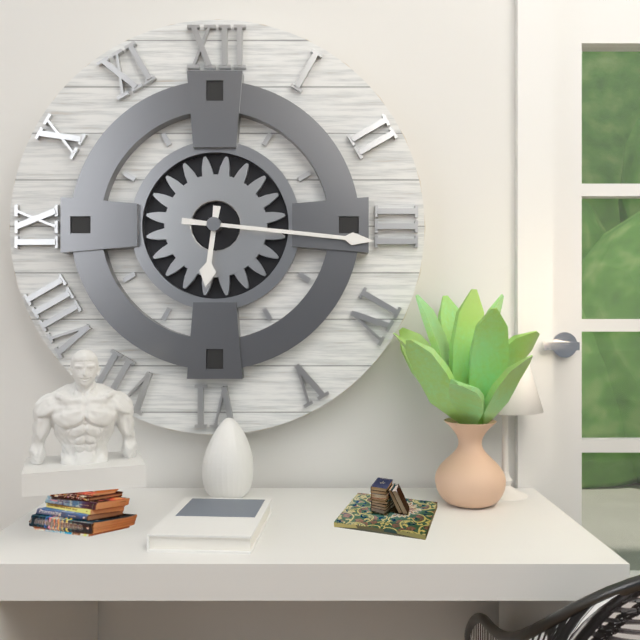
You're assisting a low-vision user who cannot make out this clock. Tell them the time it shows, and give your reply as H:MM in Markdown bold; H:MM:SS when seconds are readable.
**6:16**
